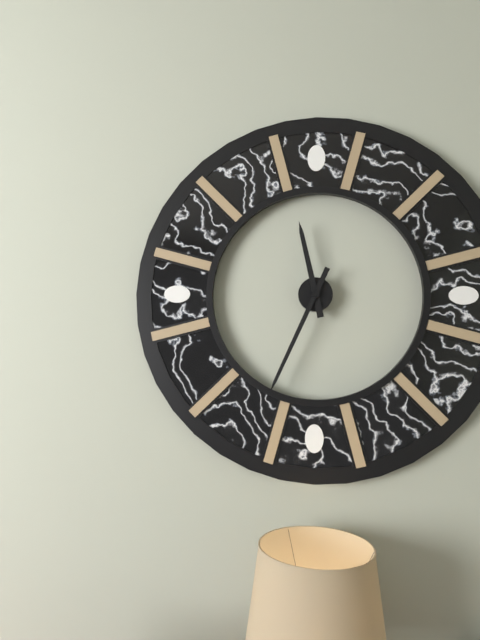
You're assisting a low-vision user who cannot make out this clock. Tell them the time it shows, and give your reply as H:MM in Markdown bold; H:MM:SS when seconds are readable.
**11:34**
